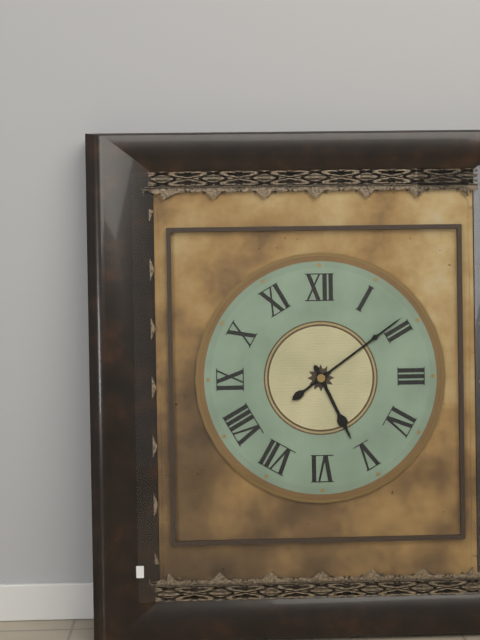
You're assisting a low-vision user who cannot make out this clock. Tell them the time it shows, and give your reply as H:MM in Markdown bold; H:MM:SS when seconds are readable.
**5:09**
